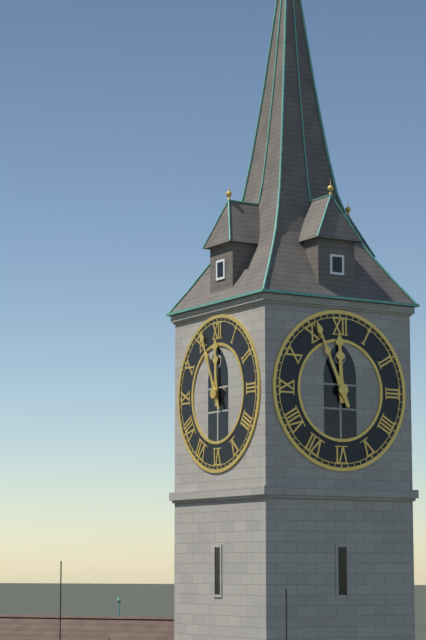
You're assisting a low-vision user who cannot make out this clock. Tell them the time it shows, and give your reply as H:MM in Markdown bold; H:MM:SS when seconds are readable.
**11:56**
